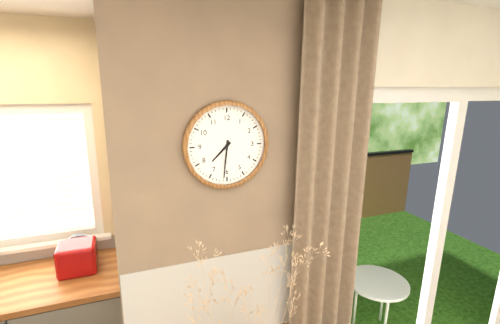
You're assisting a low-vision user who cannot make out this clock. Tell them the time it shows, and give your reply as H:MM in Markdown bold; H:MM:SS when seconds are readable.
**7:31**
